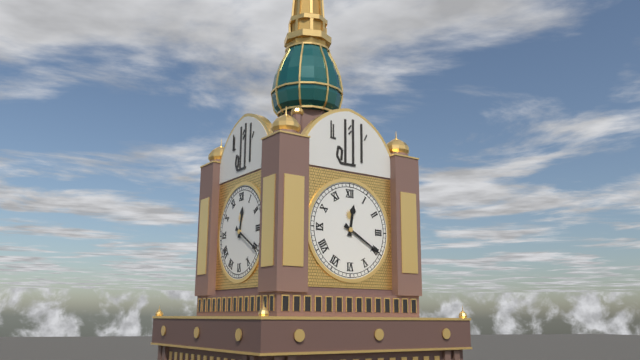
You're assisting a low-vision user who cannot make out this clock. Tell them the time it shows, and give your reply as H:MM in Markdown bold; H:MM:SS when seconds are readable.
**12:20**
